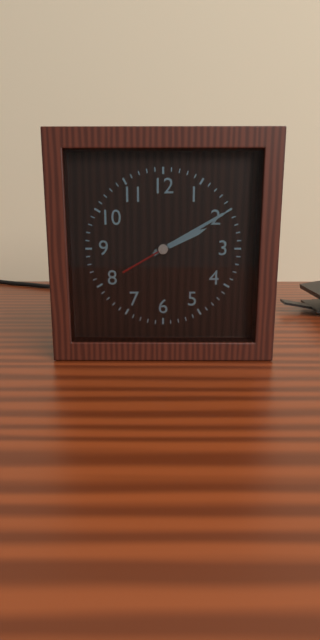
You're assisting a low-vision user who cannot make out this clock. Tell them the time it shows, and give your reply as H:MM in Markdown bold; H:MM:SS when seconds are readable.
**2:10:10**
